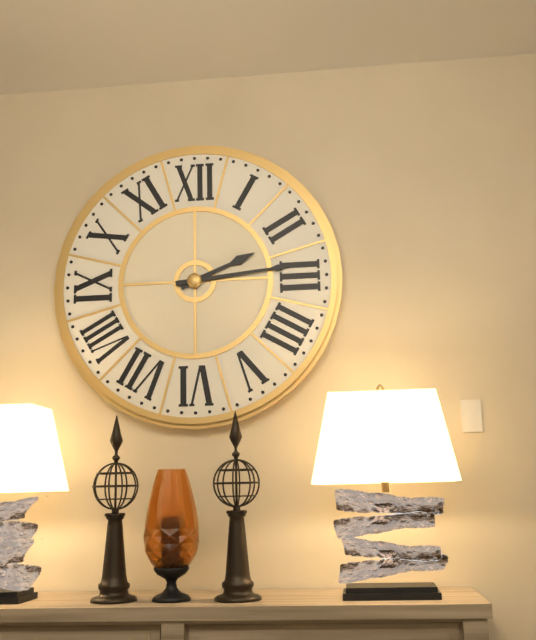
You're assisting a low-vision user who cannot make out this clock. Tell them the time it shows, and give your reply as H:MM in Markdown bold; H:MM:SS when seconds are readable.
**2:14**
